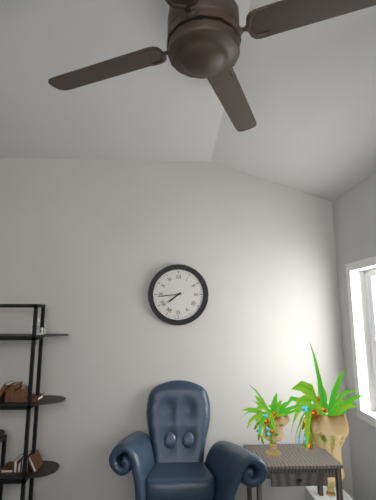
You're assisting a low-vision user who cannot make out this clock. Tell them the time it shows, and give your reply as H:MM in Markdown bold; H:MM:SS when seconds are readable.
**7:44**
